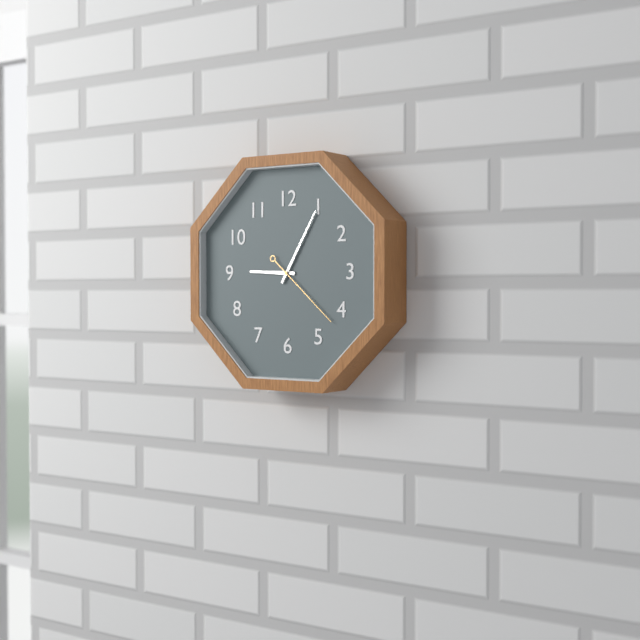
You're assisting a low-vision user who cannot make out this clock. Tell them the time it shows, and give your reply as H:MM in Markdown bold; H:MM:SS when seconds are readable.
**9:05:22**
